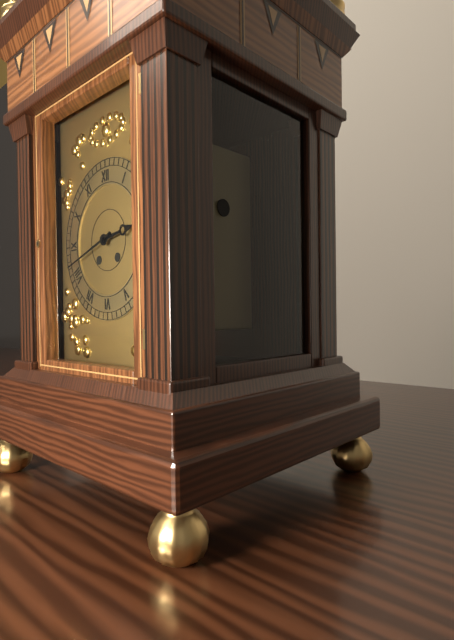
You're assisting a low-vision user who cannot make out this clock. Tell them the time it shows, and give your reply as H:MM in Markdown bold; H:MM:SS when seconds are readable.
**2:42**
